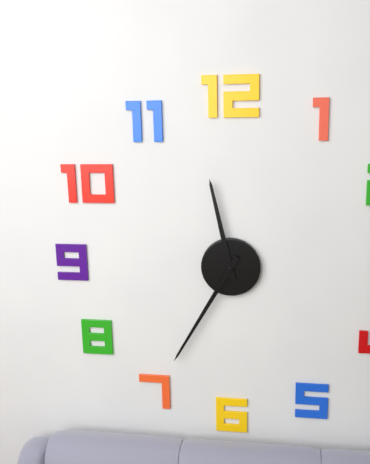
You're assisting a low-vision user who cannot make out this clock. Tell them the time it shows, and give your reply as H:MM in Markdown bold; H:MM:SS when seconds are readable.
**11:35**
